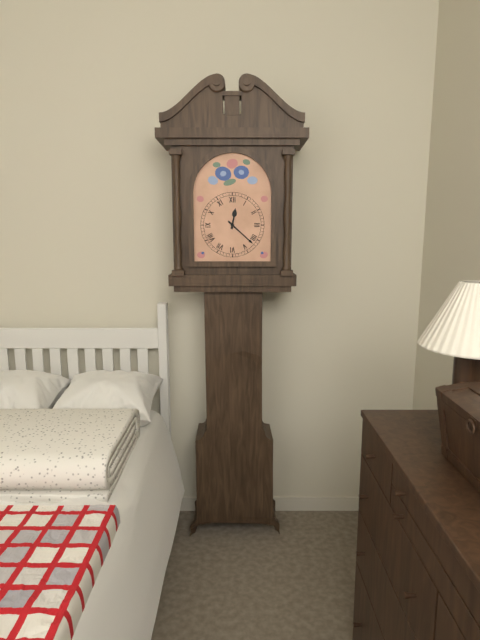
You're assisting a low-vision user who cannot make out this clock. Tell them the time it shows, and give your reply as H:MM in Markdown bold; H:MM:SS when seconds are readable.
**12:22**
